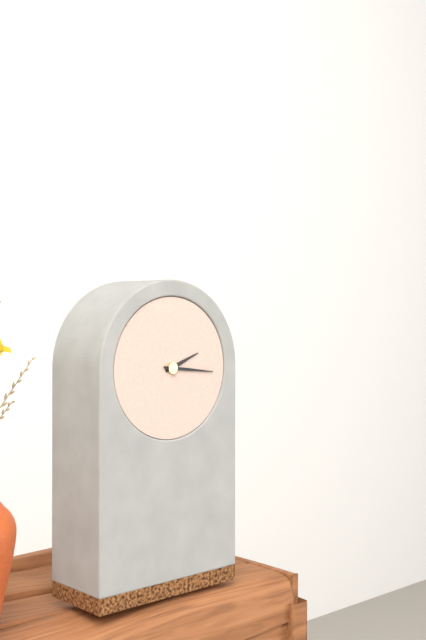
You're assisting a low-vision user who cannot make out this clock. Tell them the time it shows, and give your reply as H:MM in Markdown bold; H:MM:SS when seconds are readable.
**2:16**
